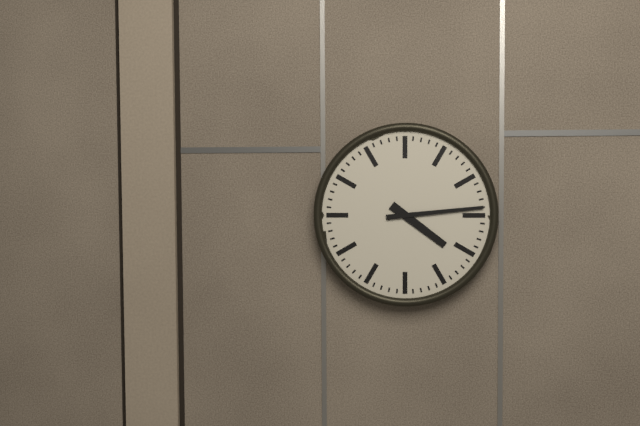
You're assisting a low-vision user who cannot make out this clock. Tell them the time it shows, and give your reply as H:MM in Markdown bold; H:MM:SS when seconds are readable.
**4:14**
